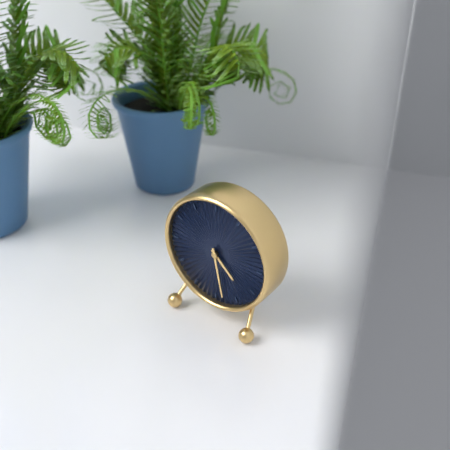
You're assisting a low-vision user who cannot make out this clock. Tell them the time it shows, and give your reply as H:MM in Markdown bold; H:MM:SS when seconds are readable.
**4:28**
